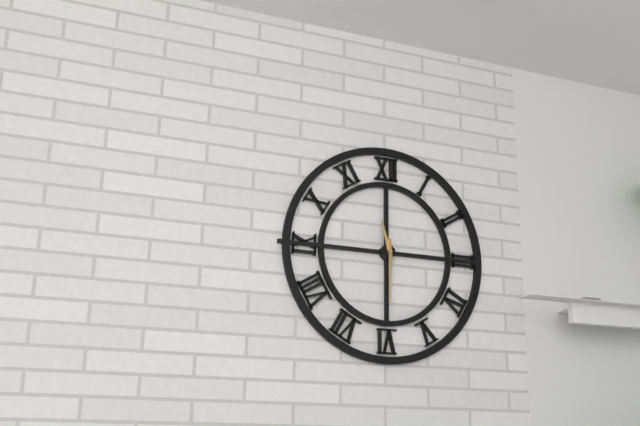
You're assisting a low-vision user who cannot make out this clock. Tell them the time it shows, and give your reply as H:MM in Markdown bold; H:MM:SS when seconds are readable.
**11:30**
